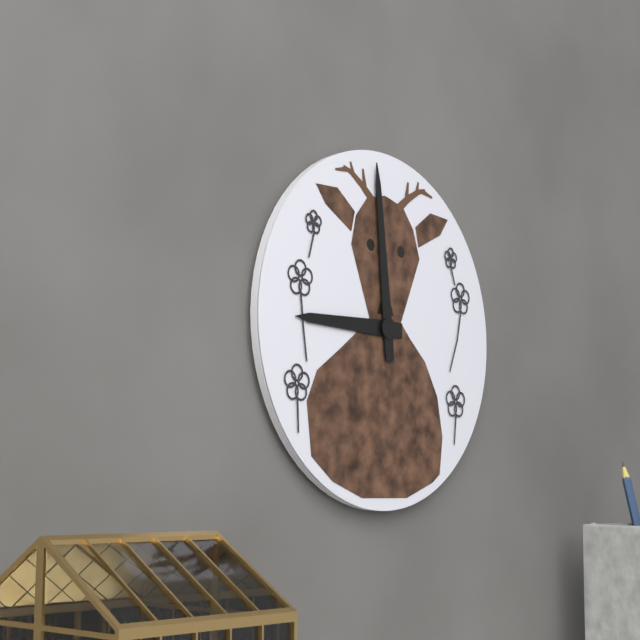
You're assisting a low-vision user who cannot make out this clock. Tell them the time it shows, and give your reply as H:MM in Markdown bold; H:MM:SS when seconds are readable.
**8:59**
